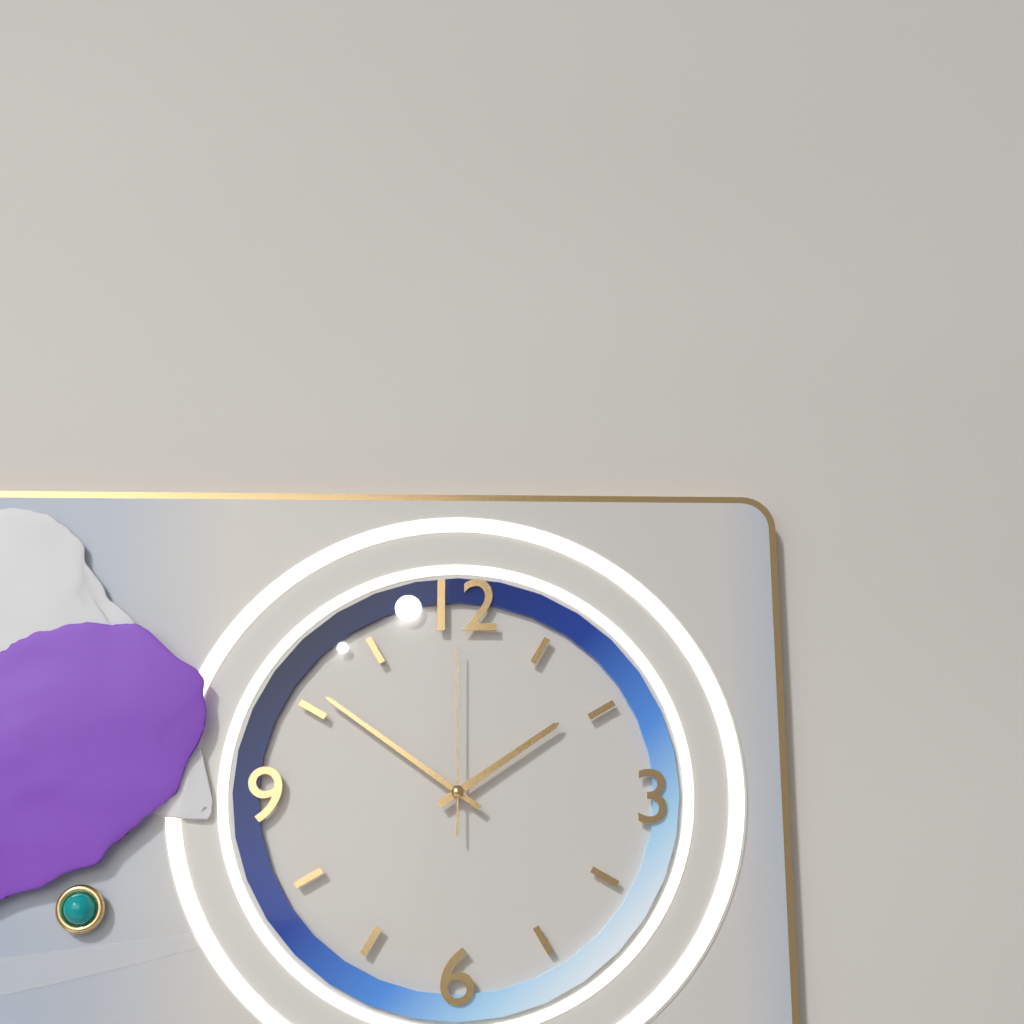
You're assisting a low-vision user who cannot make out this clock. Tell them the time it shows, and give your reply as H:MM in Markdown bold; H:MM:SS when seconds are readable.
**1:51:00**
